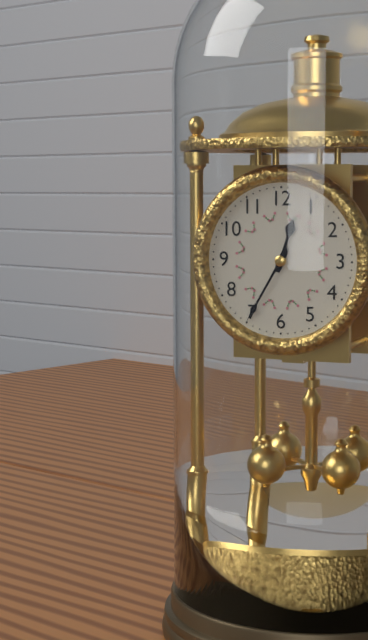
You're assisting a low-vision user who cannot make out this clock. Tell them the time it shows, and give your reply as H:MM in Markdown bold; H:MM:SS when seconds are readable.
**12:35**
